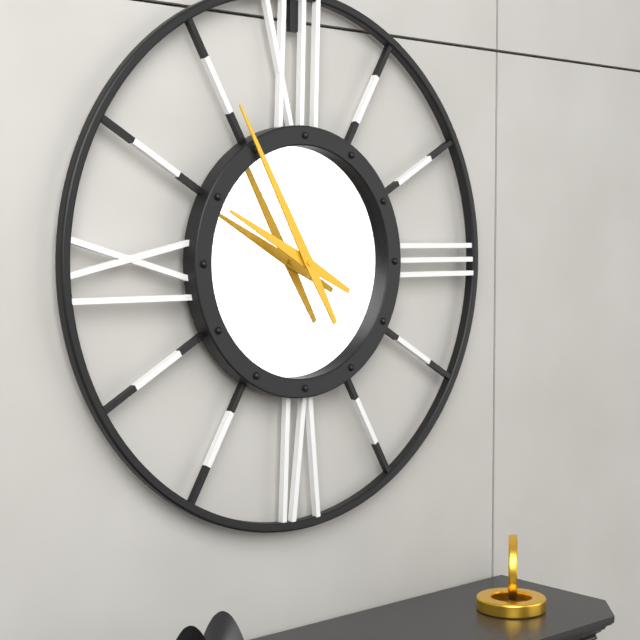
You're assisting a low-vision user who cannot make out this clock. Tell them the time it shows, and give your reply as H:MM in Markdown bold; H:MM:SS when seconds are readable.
**9:55**
